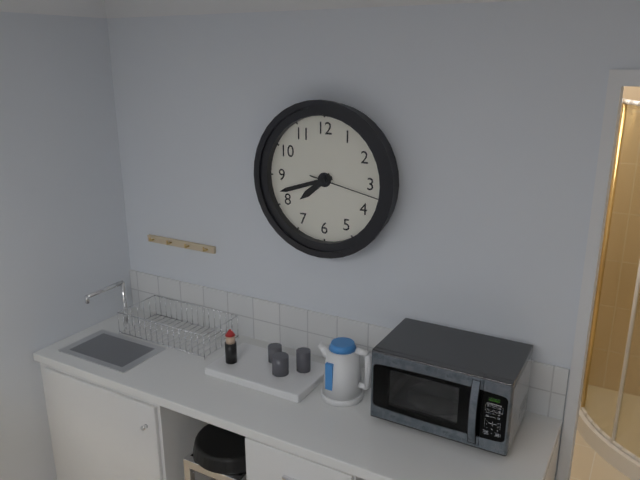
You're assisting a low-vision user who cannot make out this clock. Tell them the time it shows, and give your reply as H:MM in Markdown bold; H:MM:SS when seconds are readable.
**7:42:17**
